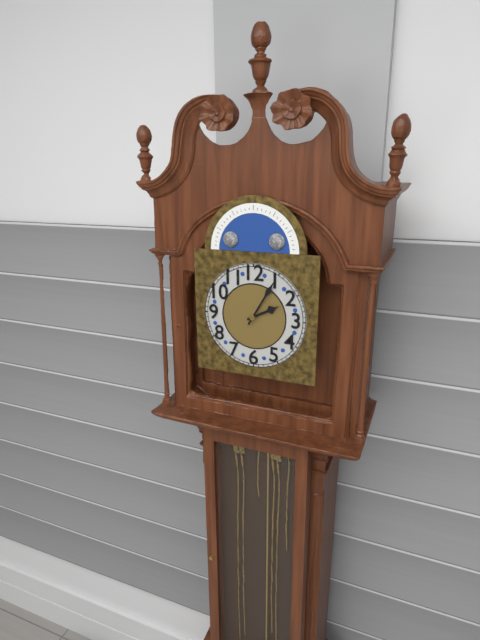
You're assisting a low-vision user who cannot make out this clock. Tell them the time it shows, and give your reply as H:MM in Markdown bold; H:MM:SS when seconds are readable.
**2:05**
